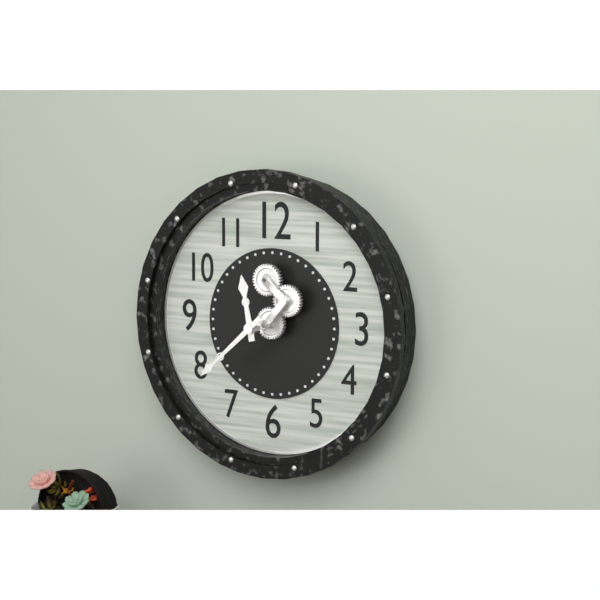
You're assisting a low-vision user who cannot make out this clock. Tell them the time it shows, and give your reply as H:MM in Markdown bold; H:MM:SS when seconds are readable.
**11:38**
